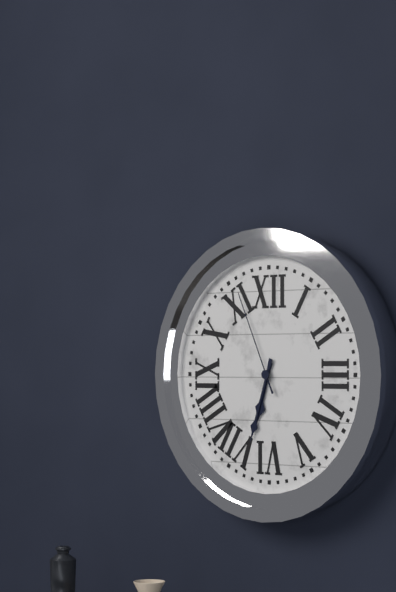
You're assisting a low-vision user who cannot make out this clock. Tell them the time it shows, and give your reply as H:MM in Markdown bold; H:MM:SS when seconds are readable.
**6:33:56**
